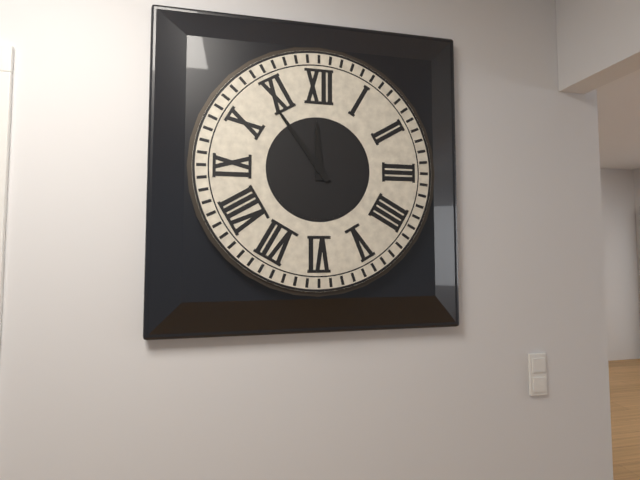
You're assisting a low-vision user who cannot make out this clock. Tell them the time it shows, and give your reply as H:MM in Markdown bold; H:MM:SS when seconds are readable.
**11:54**
